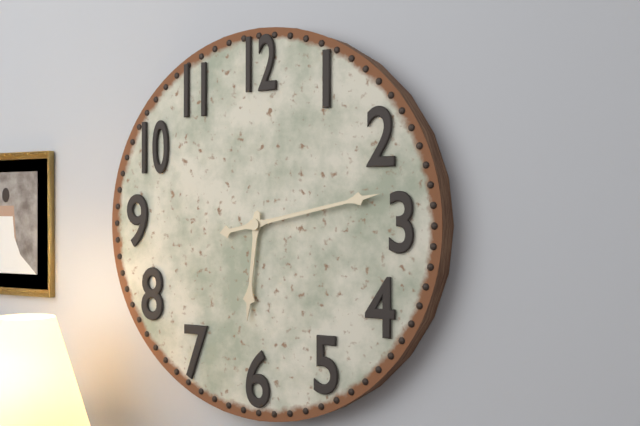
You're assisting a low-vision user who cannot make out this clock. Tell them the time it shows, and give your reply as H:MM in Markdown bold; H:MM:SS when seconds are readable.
**6:13**
